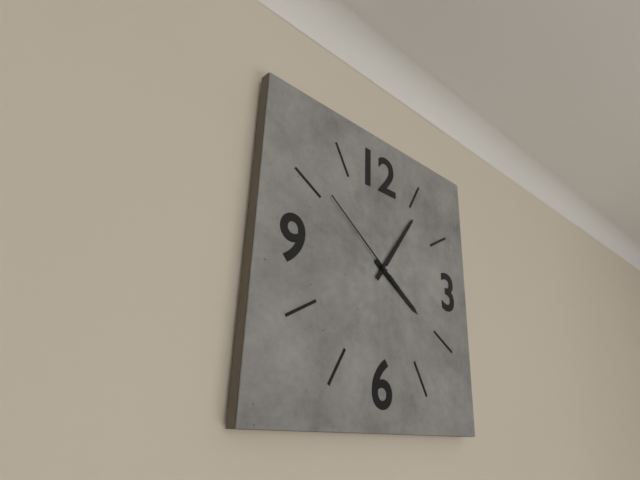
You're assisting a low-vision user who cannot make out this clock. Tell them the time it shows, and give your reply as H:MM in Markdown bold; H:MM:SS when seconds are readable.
**4:06:51**
